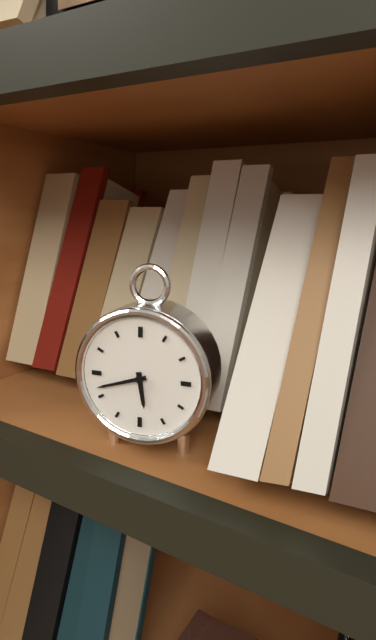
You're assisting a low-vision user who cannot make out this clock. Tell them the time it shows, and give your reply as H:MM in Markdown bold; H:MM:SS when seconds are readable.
**5:42**
